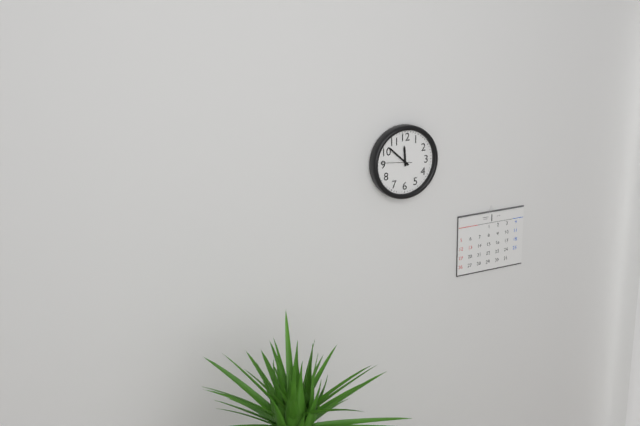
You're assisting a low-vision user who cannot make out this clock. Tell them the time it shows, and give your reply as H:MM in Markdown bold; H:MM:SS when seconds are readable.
**11:52**
